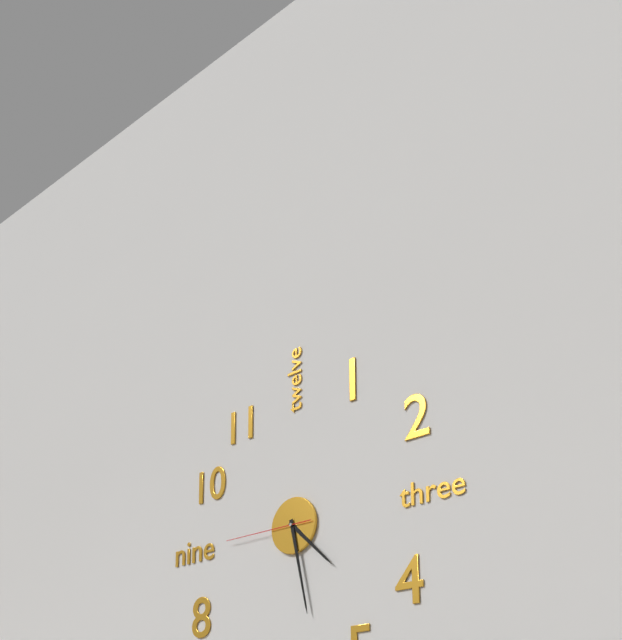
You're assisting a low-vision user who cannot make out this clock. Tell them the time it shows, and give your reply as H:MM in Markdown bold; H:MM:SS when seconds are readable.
**4:28:45**
